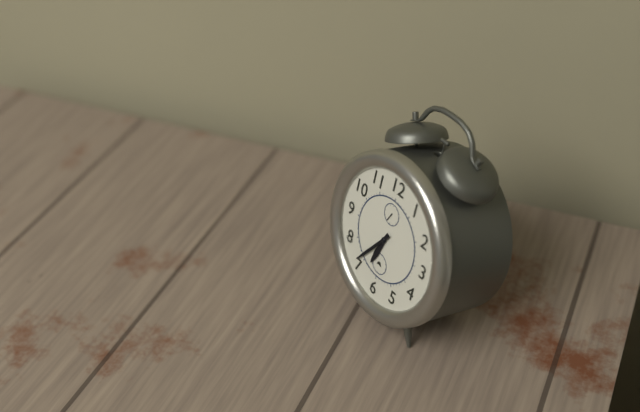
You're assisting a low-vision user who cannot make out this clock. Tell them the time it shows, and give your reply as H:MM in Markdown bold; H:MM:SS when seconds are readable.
**6:36**
